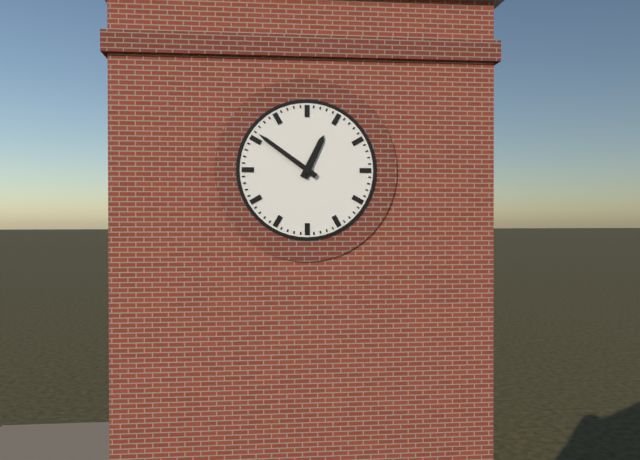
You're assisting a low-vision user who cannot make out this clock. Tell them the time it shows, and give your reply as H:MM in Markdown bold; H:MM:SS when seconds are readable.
**12:51**
